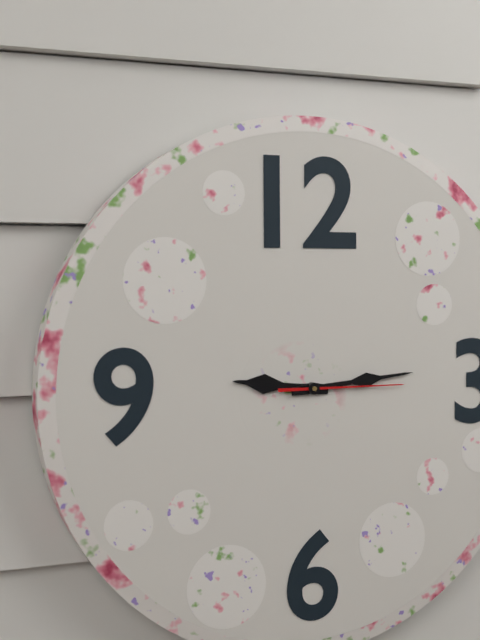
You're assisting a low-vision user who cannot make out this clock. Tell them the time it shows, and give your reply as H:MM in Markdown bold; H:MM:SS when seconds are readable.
**9:14:15**
